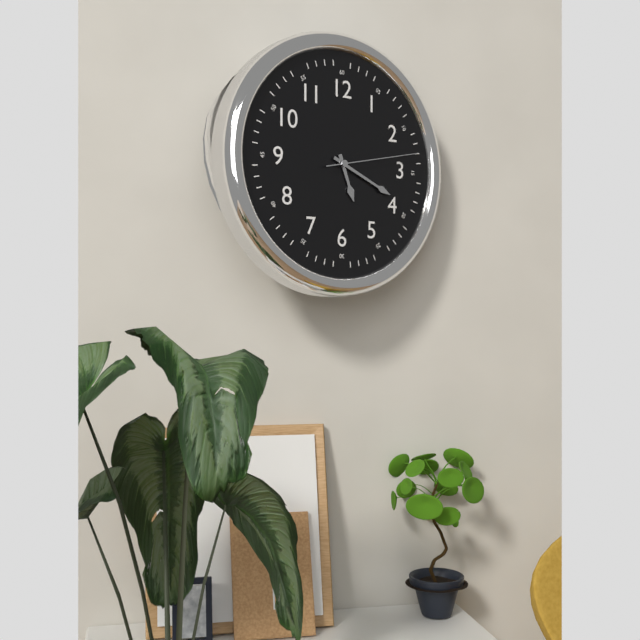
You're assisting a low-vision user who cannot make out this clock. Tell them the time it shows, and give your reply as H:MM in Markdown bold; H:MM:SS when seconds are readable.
**5:19:13**
